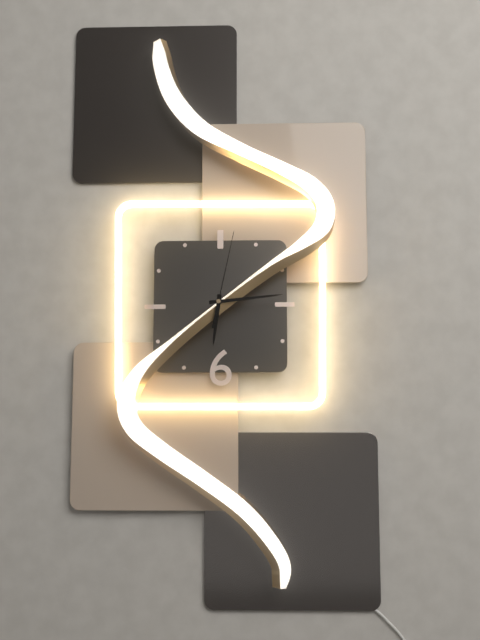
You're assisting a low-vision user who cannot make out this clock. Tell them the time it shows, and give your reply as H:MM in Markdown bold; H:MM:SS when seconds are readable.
**6:14:02**
